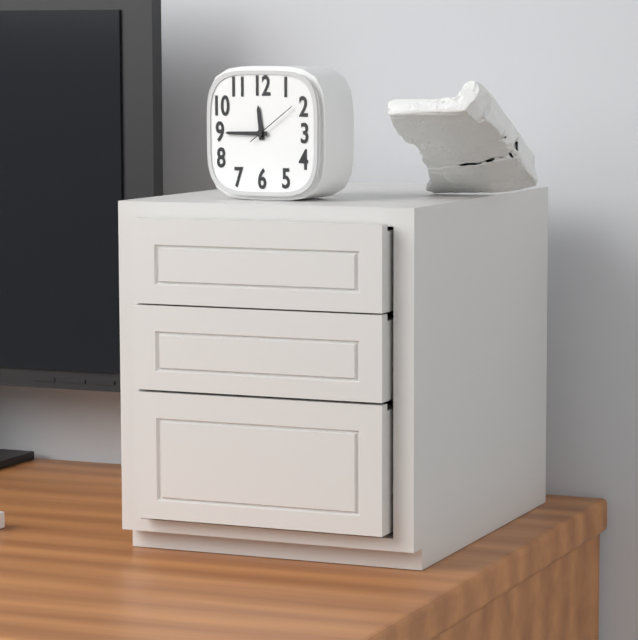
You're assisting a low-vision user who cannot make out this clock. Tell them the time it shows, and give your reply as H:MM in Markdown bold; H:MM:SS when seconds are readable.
**11:45:09**
